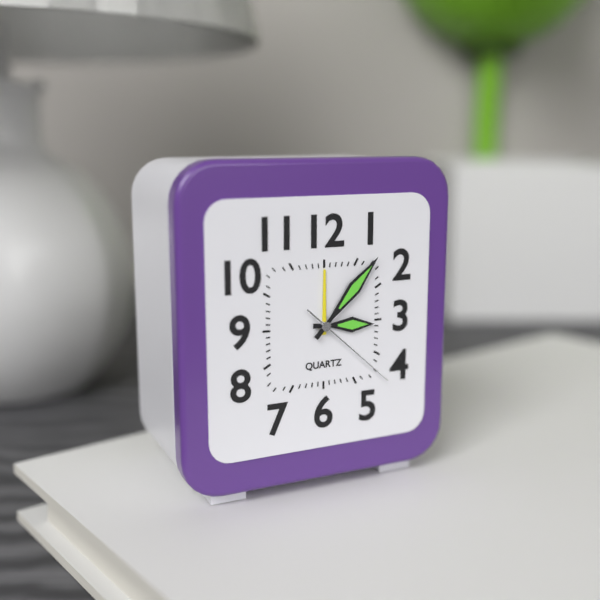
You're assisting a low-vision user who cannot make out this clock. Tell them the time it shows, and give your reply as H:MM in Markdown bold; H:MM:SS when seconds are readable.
**3:07:22**
